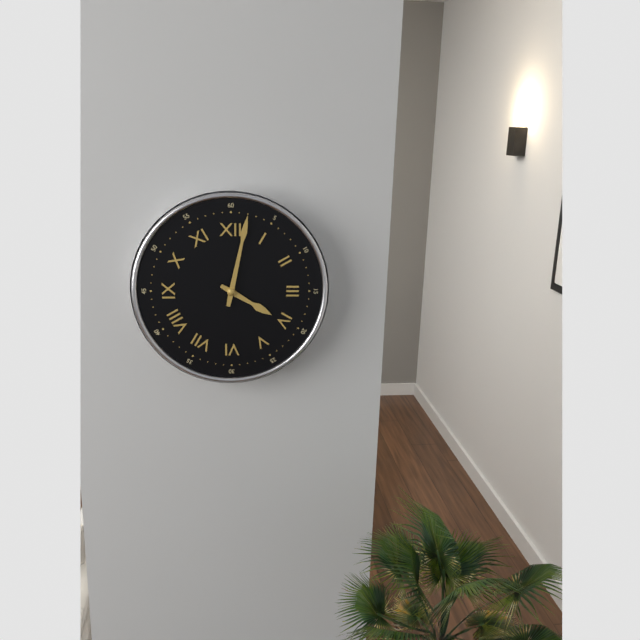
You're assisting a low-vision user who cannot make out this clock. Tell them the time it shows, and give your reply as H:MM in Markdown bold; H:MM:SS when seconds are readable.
**4:02**
